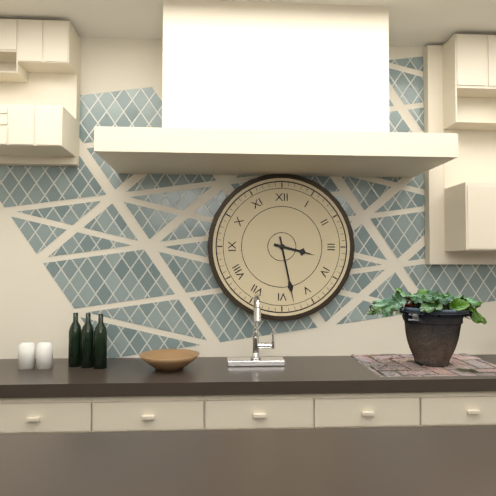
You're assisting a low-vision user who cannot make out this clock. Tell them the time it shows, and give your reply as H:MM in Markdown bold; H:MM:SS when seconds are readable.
**3:28**
